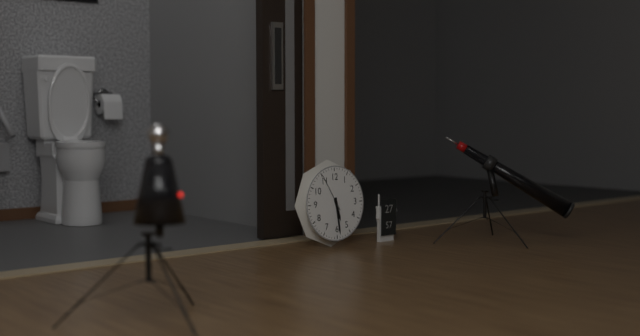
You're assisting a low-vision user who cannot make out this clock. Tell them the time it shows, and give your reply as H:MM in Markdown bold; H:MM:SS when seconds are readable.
**5:29**
